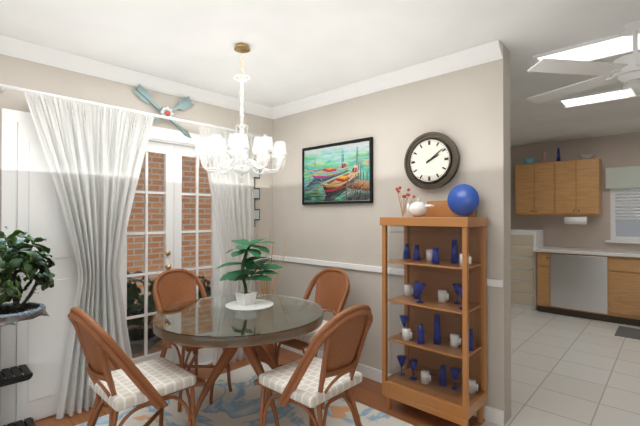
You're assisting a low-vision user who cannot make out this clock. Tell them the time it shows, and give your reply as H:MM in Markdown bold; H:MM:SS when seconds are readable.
**2:09**
